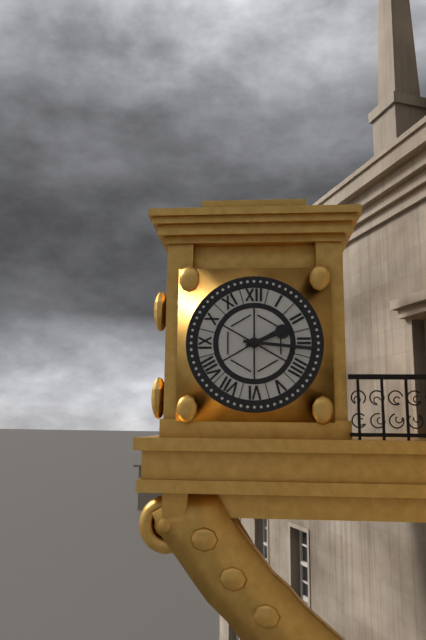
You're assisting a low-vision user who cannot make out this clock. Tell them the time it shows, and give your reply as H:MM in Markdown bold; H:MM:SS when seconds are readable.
**2:16**
